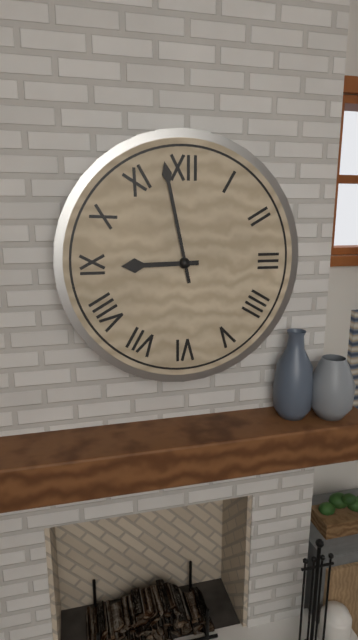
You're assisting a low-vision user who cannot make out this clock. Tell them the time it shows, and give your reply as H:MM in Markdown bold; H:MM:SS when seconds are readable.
**8:58**
